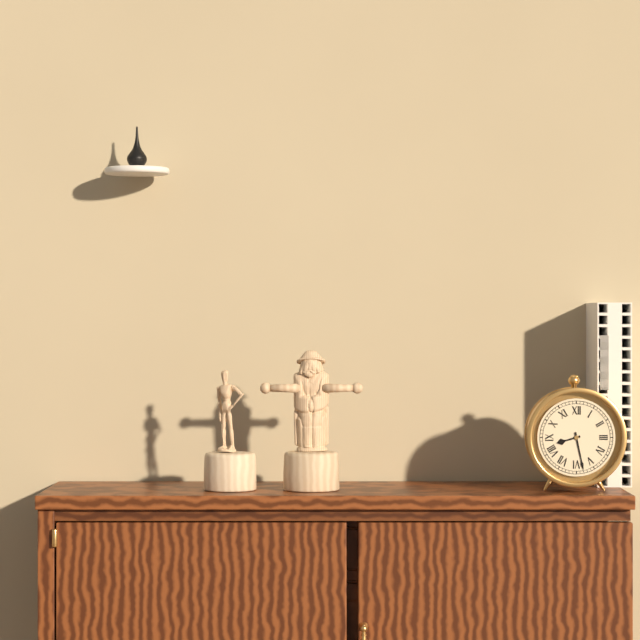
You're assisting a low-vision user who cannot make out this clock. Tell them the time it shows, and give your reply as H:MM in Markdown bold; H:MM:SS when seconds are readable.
**8:28**
